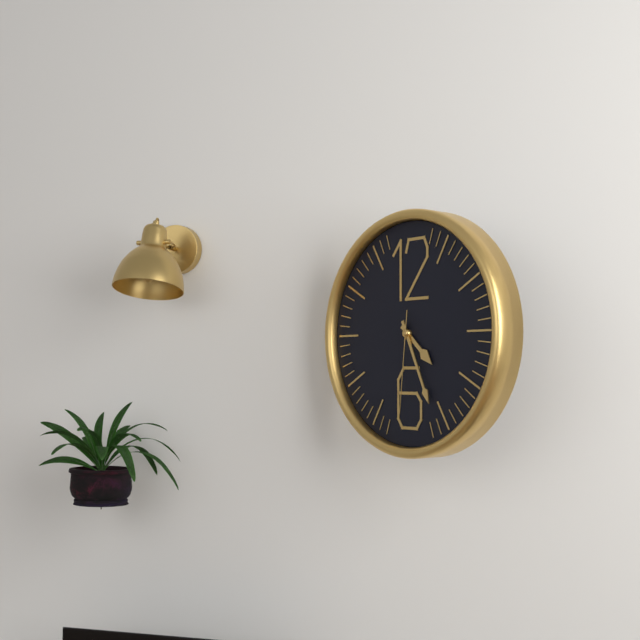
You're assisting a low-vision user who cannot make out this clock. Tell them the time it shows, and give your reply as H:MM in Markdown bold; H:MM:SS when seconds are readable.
**4:26:31**
